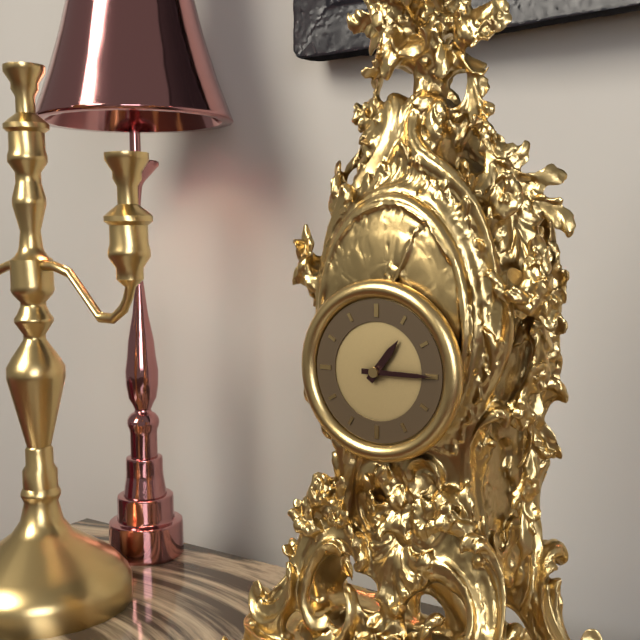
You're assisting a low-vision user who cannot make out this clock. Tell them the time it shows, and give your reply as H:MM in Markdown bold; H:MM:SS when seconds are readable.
**1:15**
